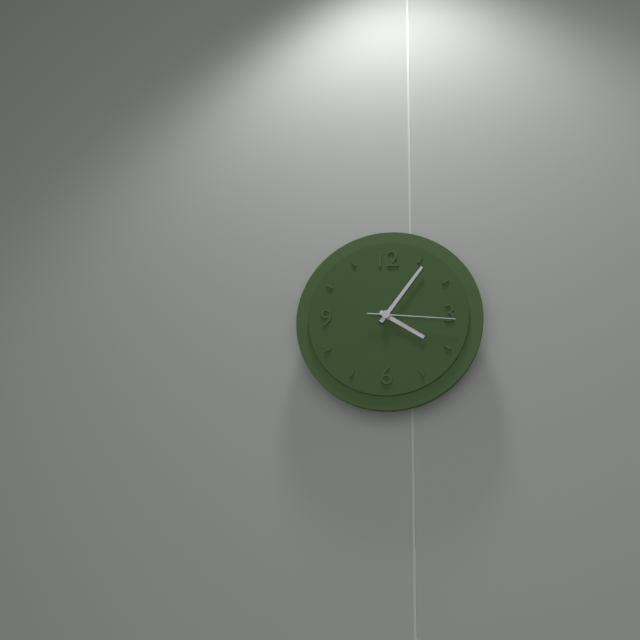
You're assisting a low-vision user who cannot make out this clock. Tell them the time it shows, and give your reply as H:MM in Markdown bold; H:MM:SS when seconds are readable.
**4:06:16**
